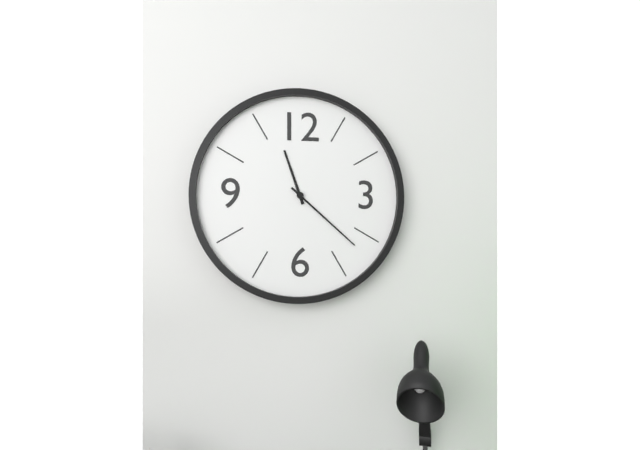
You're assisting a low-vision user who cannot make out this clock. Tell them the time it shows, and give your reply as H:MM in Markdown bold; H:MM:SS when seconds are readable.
**11:22**
